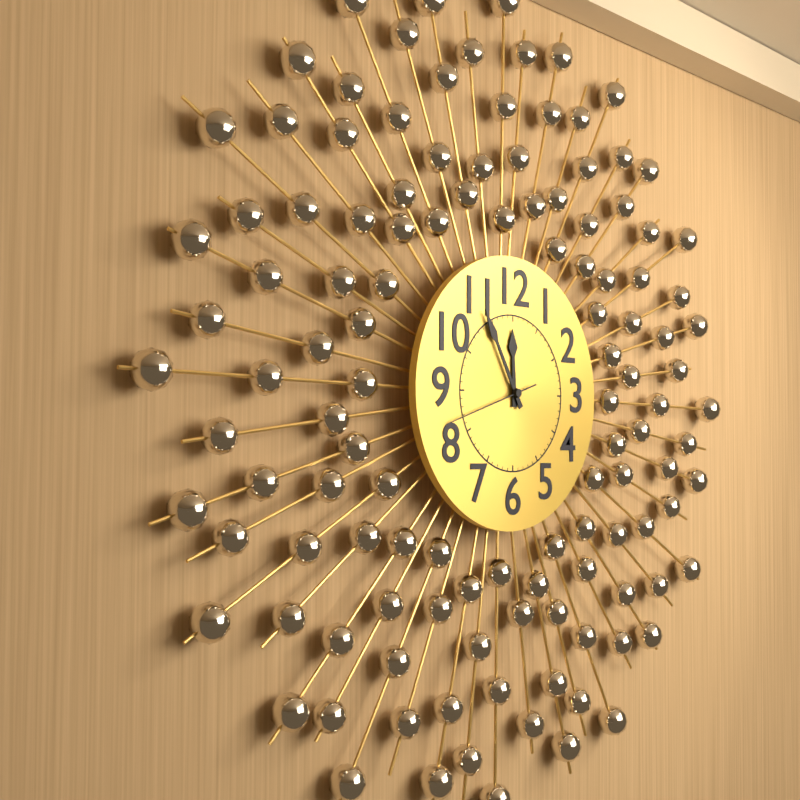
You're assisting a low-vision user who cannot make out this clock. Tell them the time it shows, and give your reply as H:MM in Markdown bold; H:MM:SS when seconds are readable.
**11:55:42**
